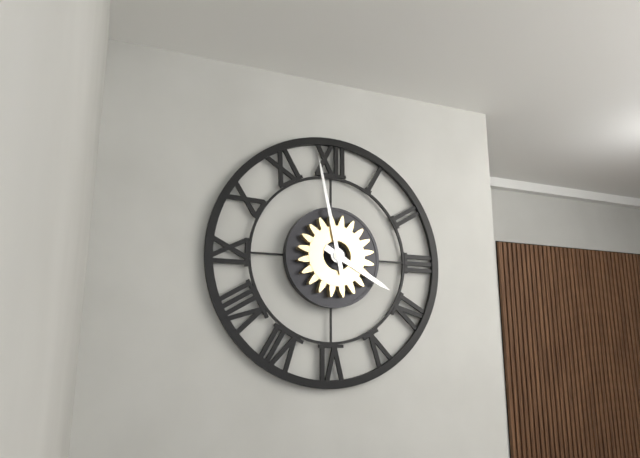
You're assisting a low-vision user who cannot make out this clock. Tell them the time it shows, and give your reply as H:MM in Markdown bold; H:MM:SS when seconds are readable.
**3:58**
